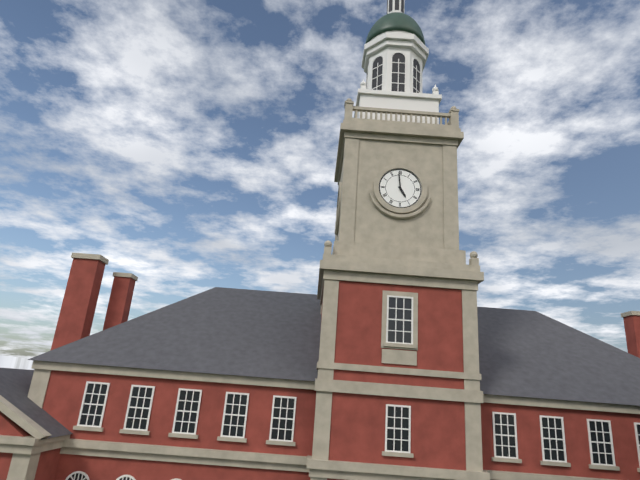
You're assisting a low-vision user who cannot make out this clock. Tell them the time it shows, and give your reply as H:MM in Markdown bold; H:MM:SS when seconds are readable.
**4:59**
